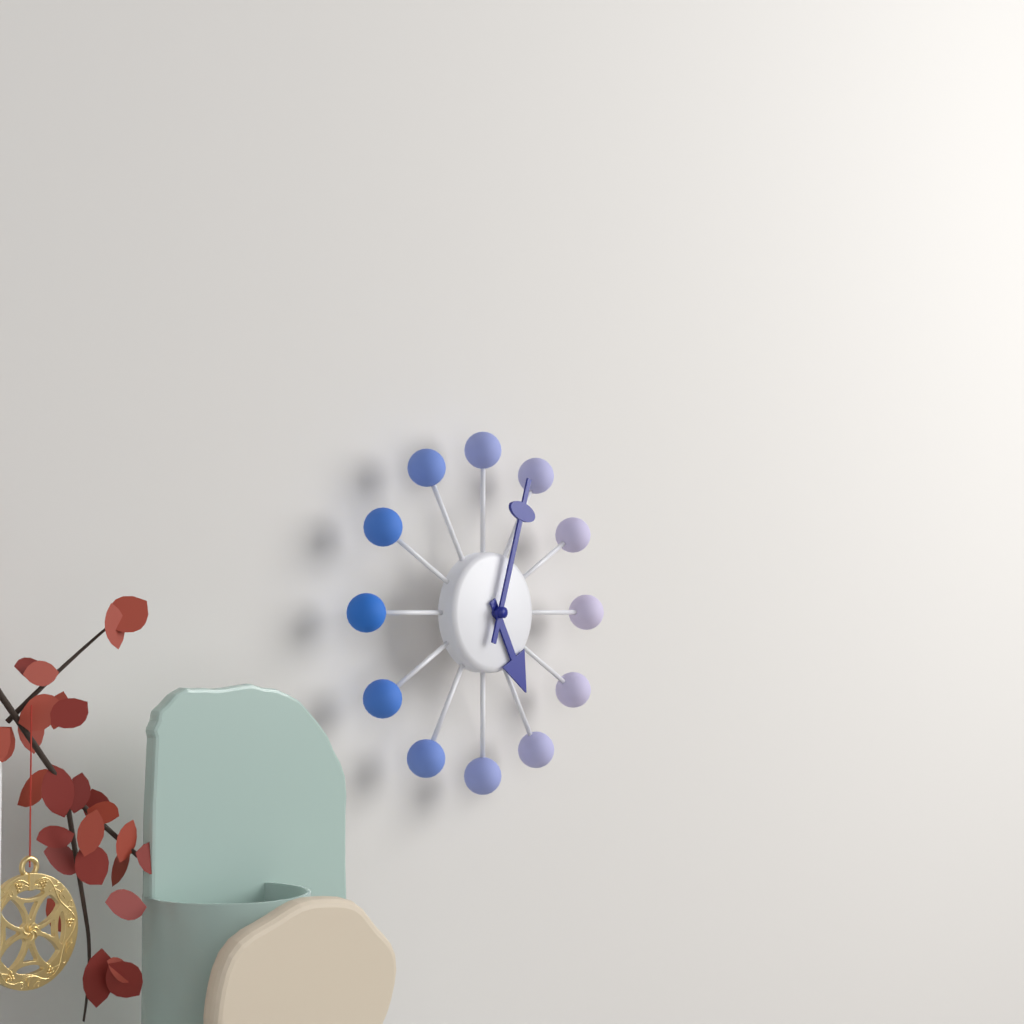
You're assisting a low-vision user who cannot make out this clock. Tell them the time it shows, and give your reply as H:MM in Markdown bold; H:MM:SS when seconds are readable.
**5:03**
